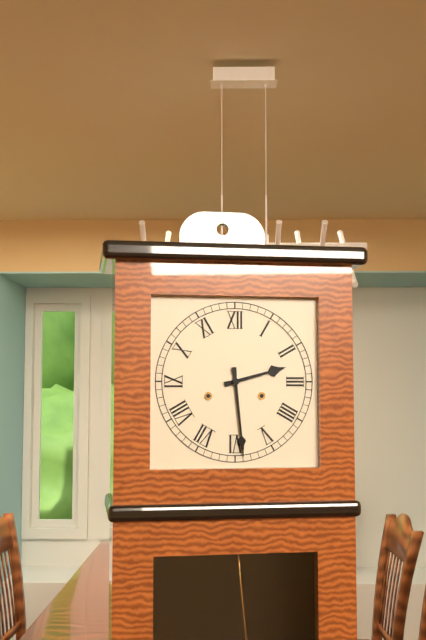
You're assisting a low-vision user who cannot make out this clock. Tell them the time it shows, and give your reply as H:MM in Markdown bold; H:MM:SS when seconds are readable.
**2:29**
